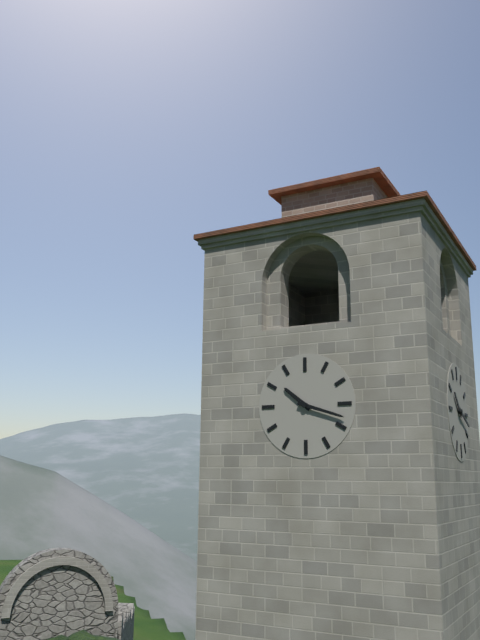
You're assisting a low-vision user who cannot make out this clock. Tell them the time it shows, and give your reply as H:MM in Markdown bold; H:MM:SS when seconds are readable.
**10:18**
